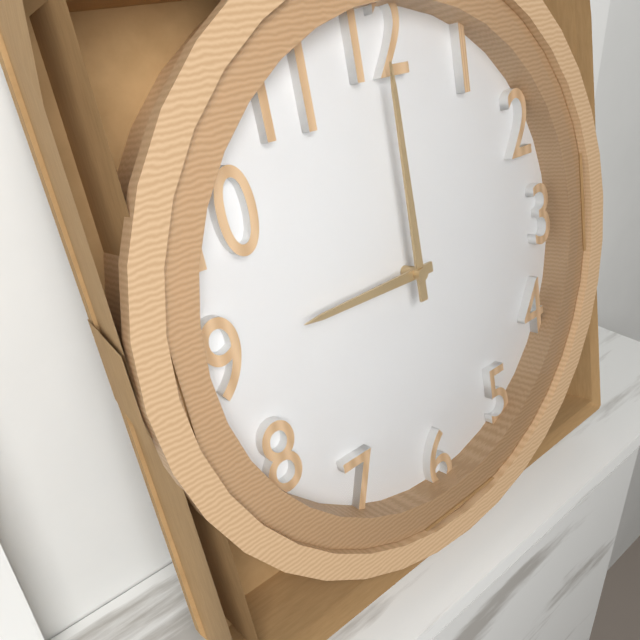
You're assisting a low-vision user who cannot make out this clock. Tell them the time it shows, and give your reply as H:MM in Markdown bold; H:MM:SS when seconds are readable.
**9:00**
